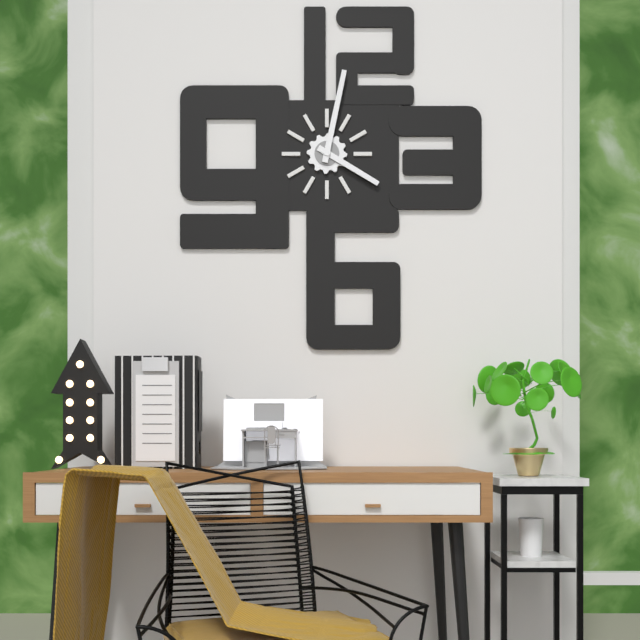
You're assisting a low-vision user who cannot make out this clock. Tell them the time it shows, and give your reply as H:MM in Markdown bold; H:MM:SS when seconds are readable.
**4:02**
